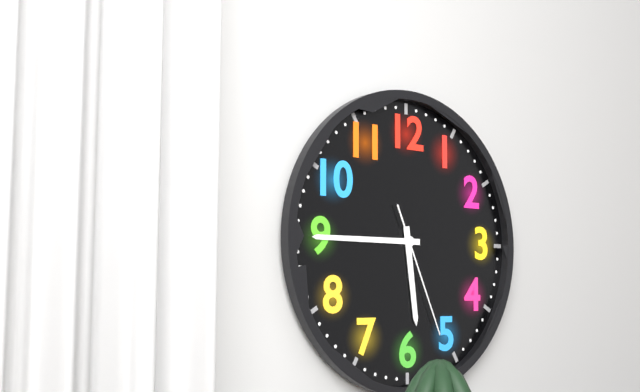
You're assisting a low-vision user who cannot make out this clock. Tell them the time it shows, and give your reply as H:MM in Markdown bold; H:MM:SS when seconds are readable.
**5:45:26**
